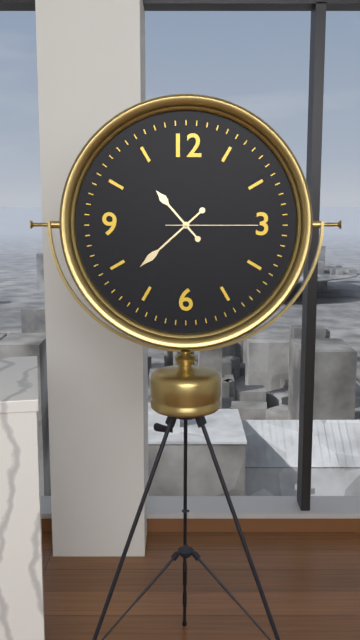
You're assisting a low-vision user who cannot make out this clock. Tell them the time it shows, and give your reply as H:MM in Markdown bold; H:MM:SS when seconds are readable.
**10:38:15**
